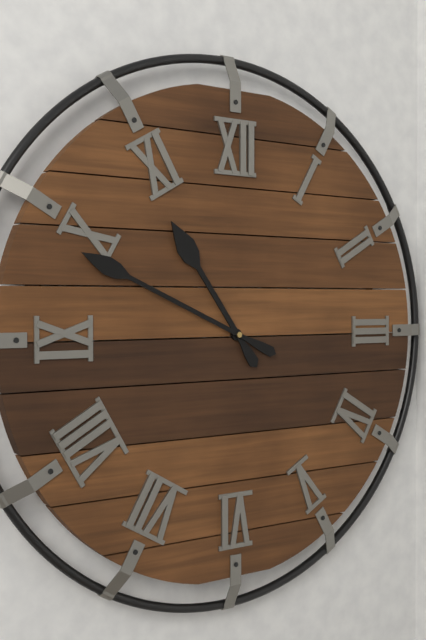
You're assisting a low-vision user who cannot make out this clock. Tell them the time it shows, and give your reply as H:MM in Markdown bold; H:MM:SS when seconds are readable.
**10:49**
